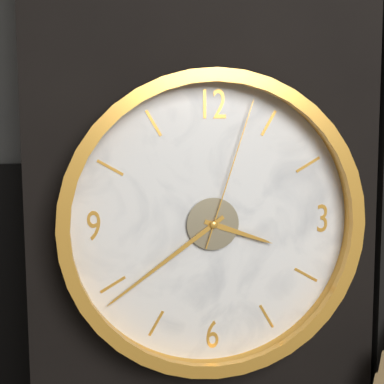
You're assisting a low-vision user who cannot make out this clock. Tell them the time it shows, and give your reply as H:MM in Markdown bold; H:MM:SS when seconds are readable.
**3:39:03**
